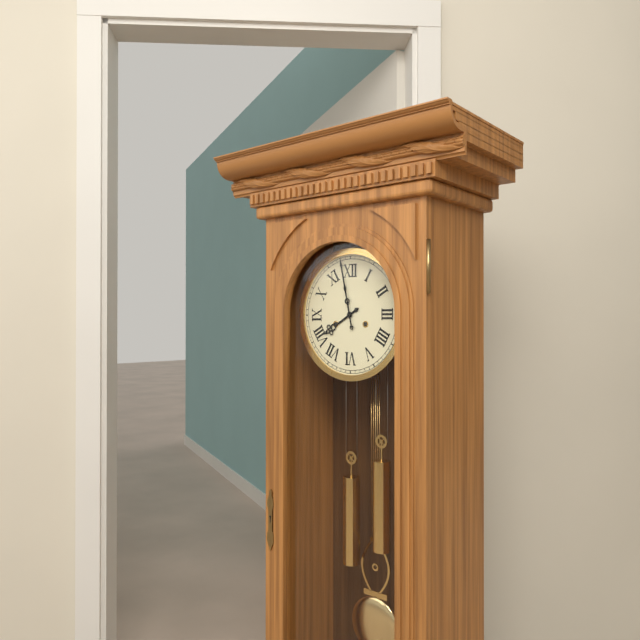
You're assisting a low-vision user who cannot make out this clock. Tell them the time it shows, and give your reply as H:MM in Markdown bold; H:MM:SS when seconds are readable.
**7:58**
